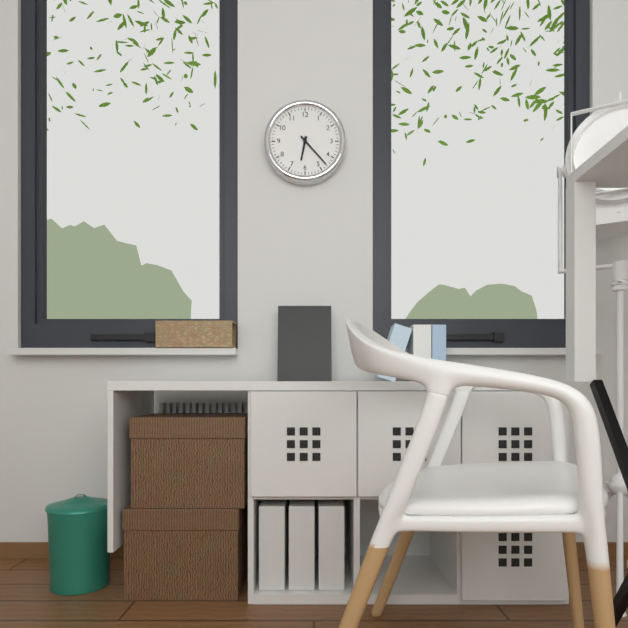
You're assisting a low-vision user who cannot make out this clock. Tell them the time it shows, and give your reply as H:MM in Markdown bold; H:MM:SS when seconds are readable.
**6:23**
